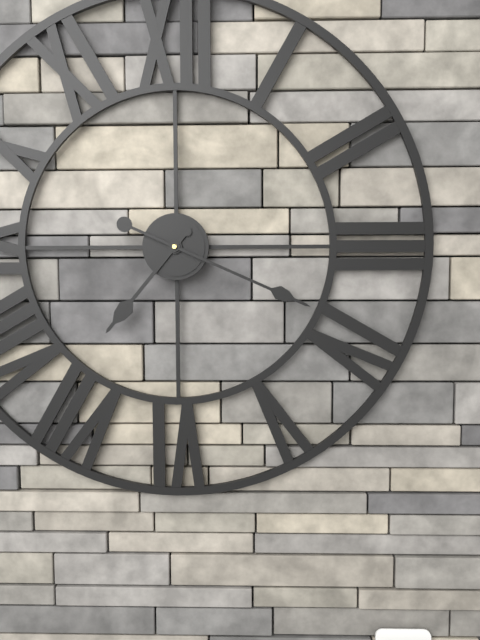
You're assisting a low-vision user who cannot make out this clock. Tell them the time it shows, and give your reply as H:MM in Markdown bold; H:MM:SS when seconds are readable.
**7:19**
